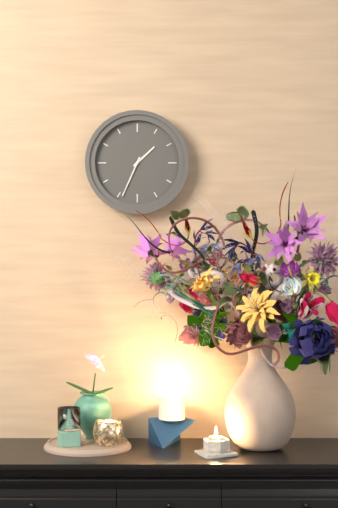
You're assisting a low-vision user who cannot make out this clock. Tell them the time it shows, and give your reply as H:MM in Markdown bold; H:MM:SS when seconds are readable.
**1:34**
